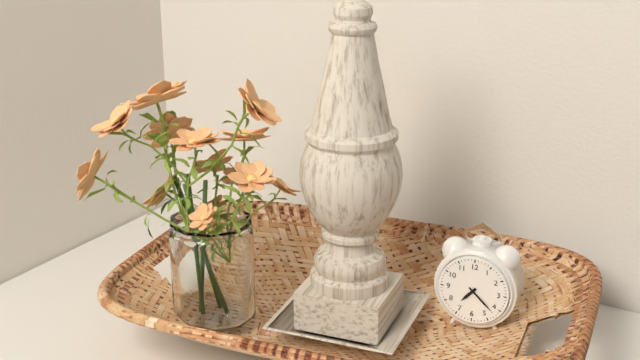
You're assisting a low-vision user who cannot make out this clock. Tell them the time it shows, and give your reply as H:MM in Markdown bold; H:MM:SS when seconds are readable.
**7:22**
